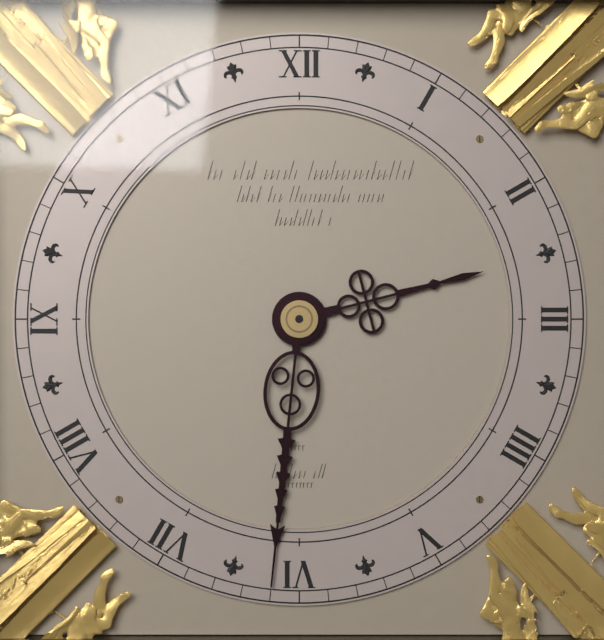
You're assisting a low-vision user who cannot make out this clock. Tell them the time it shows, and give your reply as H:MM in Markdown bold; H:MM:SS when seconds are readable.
**2:31**
